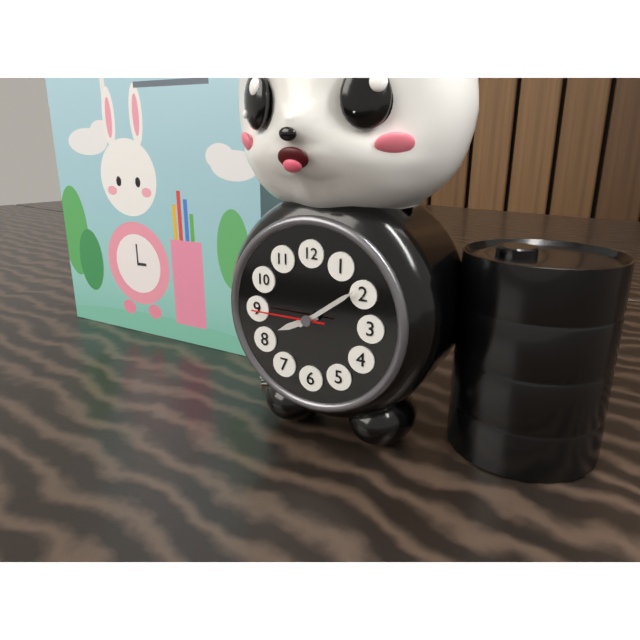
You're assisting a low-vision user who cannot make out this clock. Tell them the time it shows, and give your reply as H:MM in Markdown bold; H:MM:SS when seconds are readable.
**8:09:45**
